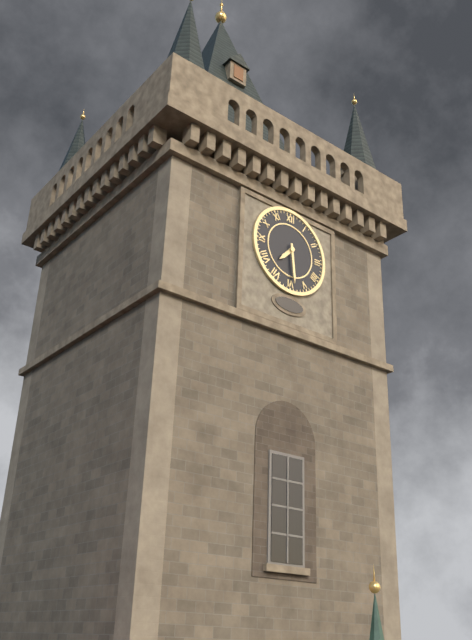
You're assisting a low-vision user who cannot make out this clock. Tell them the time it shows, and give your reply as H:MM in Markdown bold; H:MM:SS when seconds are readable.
**7:29**
